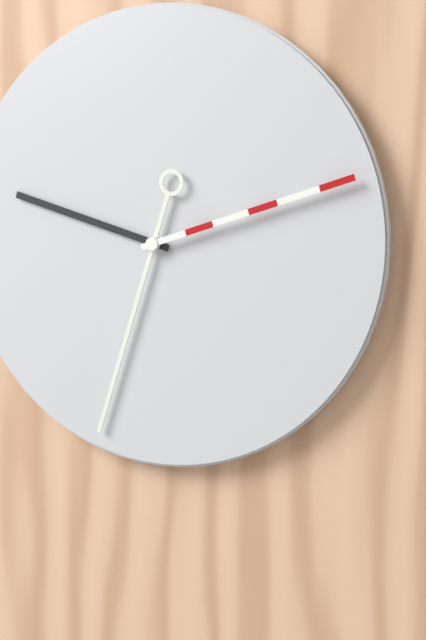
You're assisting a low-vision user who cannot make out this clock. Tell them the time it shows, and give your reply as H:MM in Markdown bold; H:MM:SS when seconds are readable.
**9:33:12**
